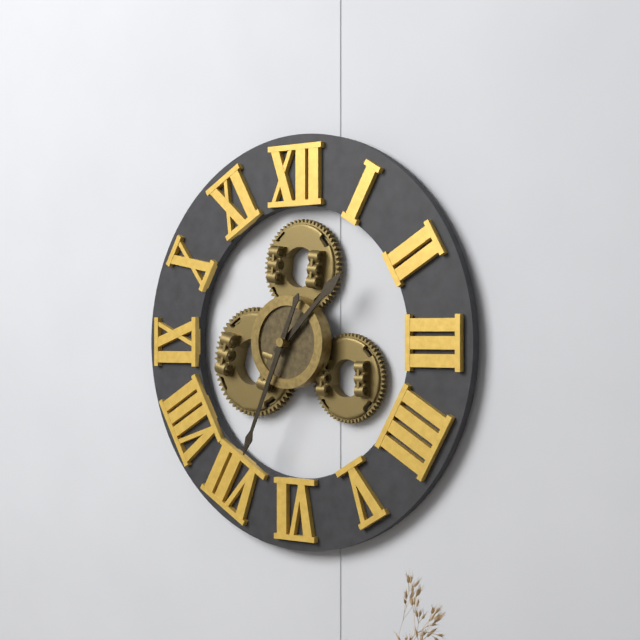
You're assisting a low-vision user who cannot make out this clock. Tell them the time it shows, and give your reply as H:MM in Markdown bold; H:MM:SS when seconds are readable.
**1:34**
